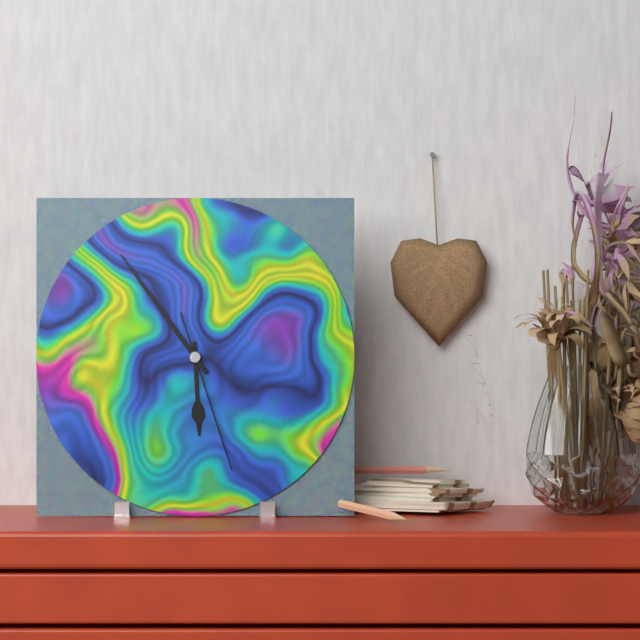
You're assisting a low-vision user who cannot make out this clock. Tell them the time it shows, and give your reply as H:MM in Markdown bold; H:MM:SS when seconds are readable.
**5:54:27**
